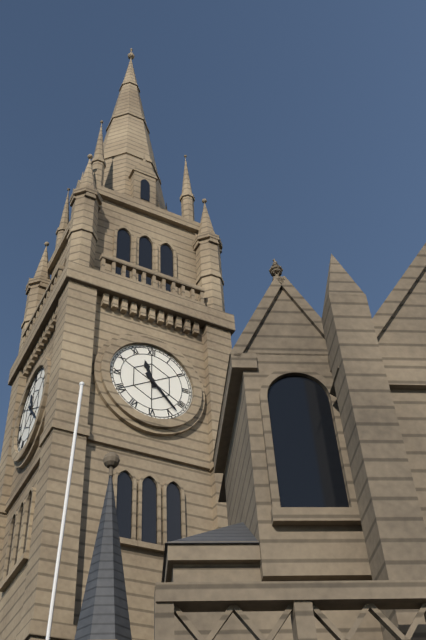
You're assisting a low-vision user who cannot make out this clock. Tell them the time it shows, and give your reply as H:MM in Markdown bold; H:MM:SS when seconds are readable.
**11:23**
